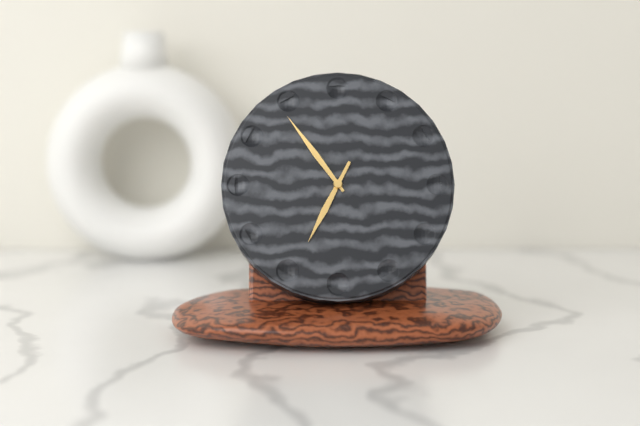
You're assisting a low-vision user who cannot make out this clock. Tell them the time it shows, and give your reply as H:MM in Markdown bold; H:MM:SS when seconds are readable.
**6:54**
